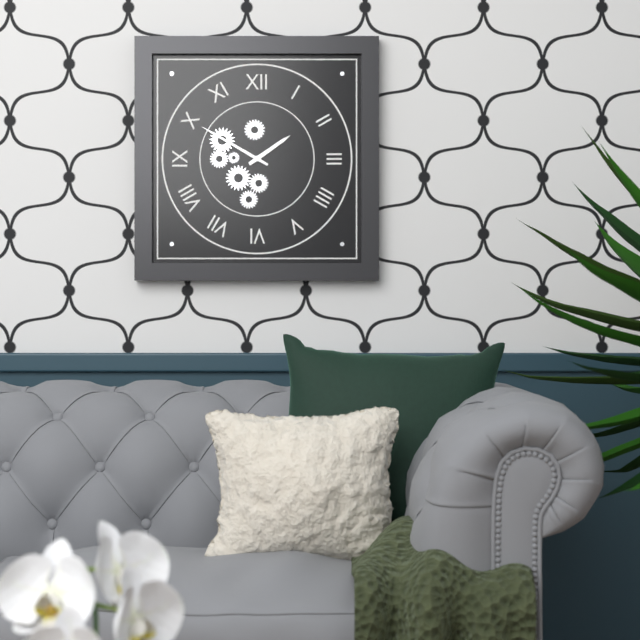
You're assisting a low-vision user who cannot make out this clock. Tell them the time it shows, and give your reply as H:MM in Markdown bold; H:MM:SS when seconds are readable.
**1:50**
